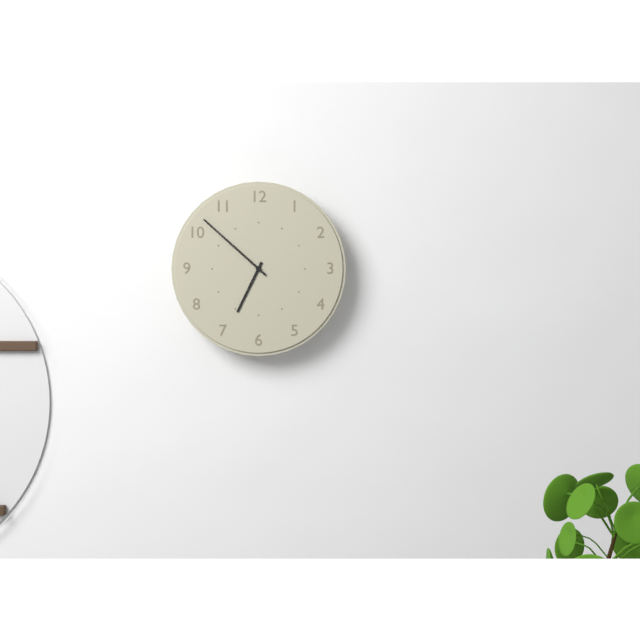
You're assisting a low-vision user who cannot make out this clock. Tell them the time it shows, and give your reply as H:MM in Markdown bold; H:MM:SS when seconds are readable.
**6:52**
